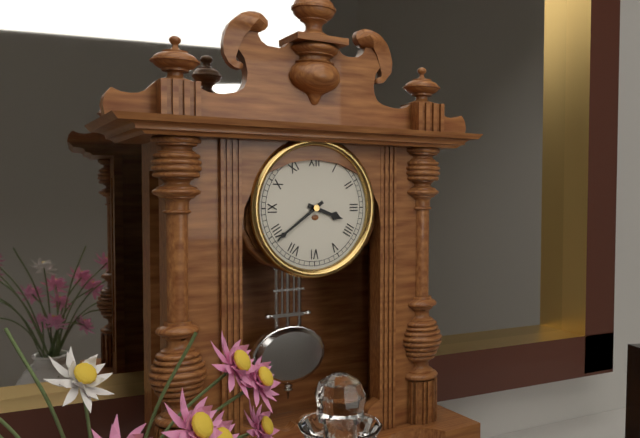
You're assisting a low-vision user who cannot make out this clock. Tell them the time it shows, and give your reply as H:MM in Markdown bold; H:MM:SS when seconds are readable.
**3:39**
